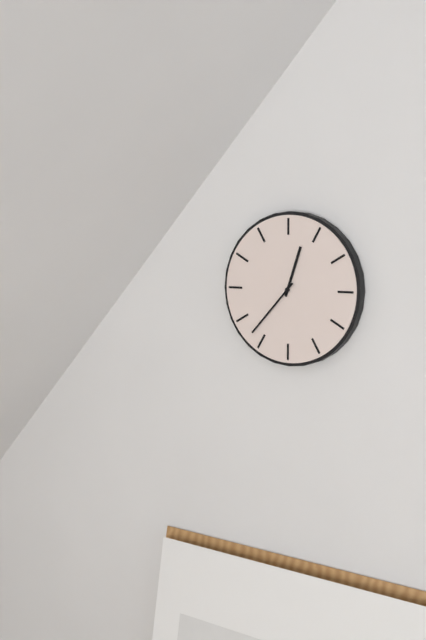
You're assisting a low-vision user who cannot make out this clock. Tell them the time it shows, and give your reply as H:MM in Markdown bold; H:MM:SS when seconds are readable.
**12:37**
